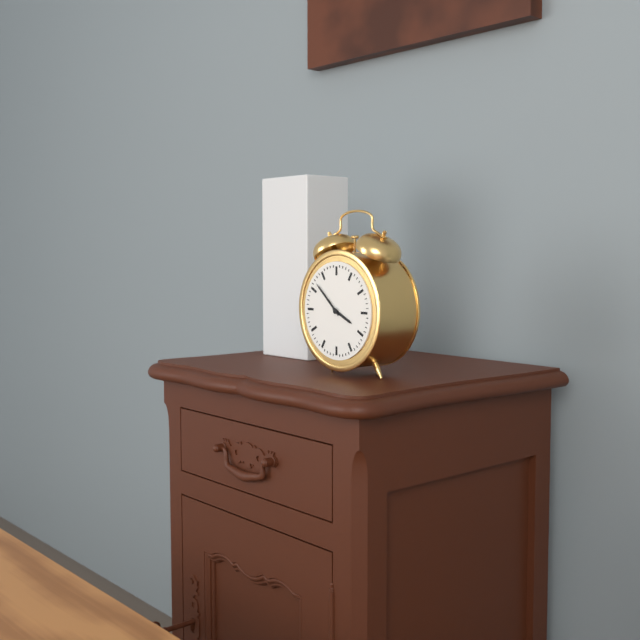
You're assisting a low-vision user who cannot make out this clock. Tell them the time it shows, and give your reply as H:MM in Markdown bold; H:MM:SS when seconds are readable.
**3:52**
